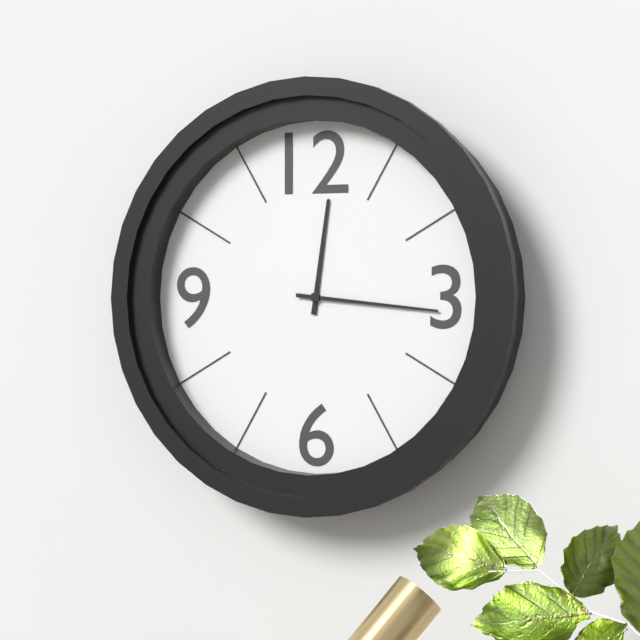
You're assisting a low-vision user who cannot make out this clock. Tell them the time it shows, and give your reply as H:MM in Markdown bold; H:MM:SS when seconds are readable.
**12:16**
